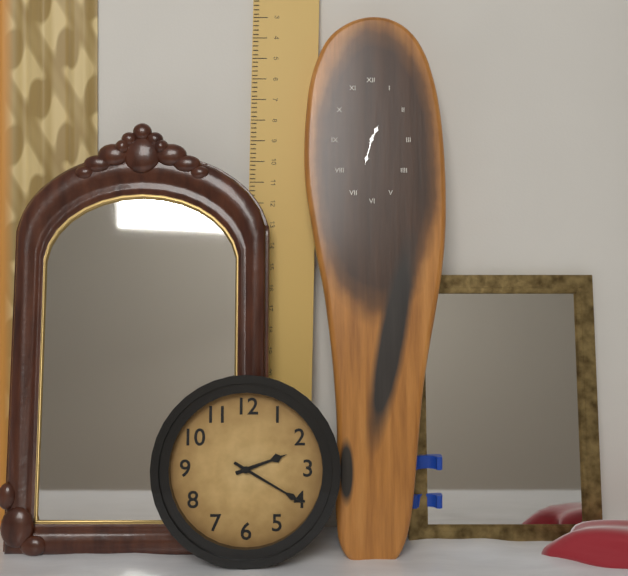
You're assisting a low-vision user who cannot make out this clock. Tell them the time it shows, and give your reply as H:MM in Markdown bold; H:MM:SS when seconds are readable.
**2:20**
